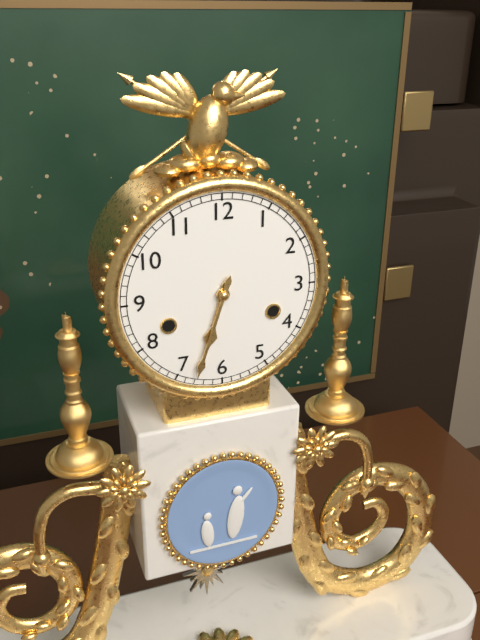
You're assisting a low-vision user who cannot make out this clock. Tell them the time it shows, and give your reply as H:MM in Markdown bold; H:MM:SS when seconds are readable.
**6:33**
